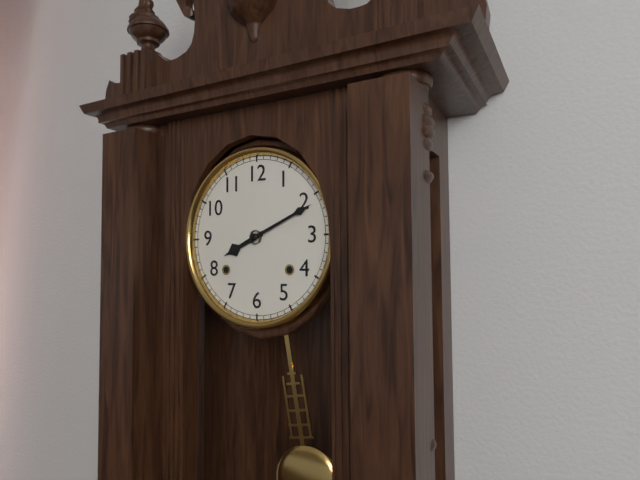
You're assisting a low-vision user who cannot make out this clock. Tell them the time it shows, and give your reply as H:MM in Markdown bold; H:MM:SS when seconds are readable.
**8:11**
